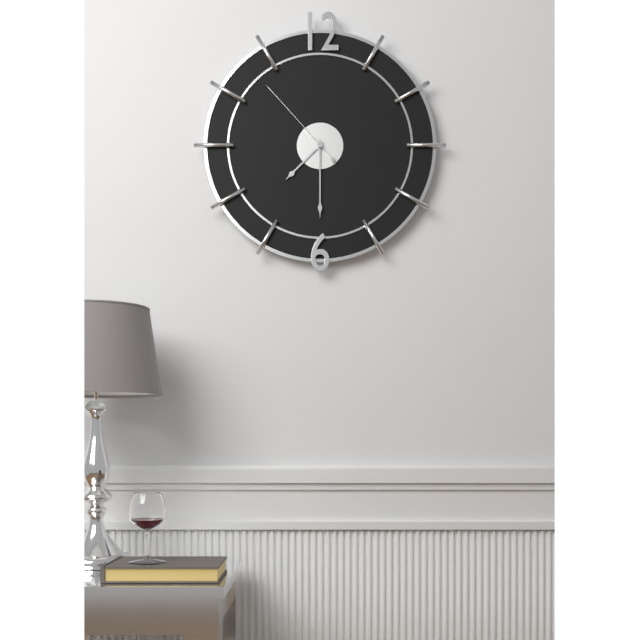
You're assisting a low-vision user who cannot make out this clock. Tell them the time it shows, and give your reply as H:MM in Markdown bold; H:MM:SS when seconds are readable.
**7:30:53**
